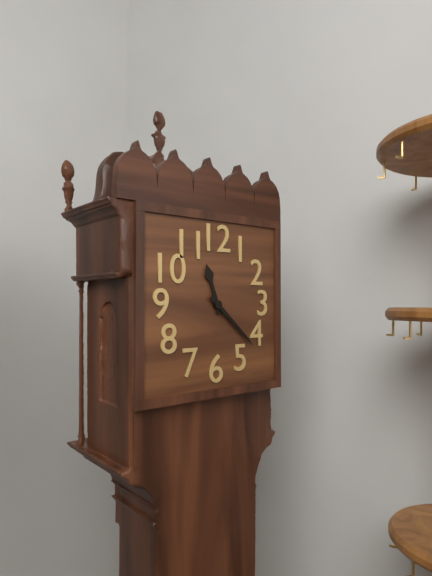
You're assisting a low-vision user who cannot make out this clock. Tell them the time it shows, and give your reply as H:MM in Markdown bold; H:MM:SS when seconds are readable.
**11:22**
